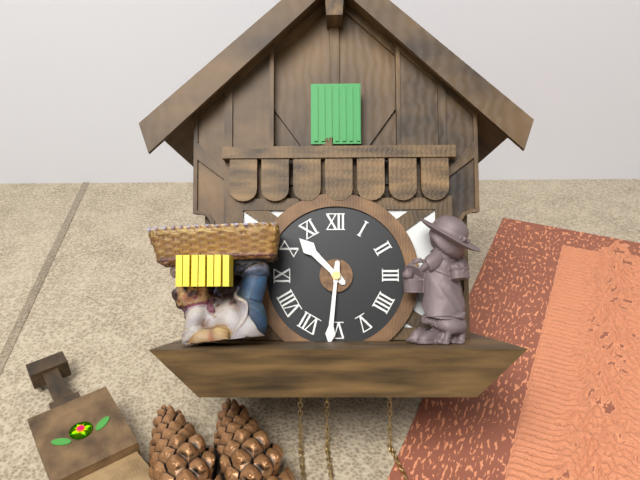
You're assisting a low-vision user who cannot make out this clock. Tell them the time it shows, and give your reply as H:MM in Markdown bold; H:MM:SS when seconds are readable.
**10:31**
